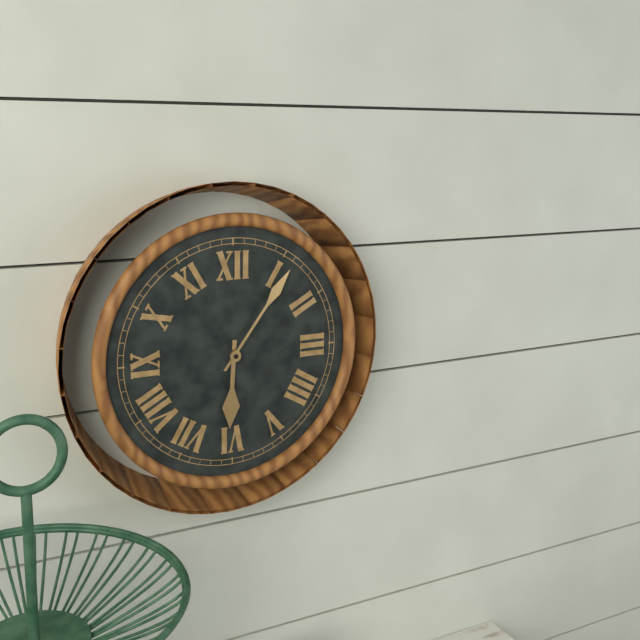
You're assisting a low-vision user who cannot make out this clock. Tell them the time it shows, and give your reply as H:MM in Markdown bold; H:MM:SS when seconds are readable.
**6:06**
